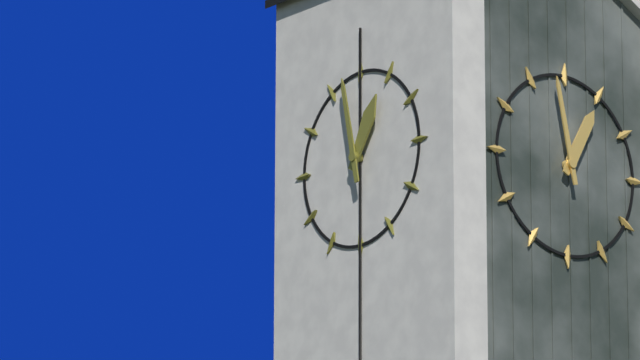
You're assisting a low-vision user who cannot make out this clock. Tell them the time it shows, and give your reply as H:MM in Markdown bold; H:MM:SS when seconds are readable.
**12:58**
